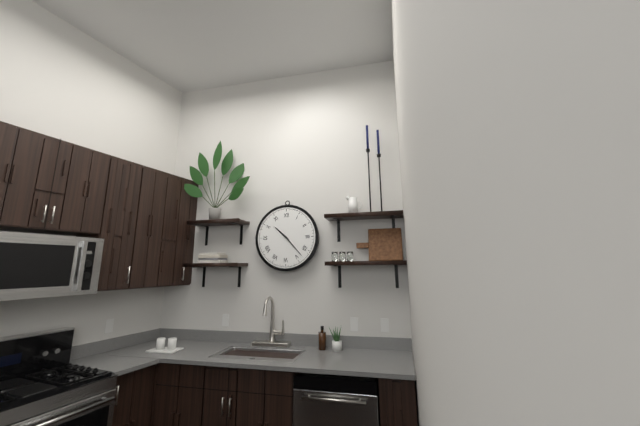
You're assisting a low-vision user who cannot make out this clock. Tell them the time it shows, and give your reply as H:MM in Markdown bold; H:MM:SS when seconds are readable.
**10:23**
